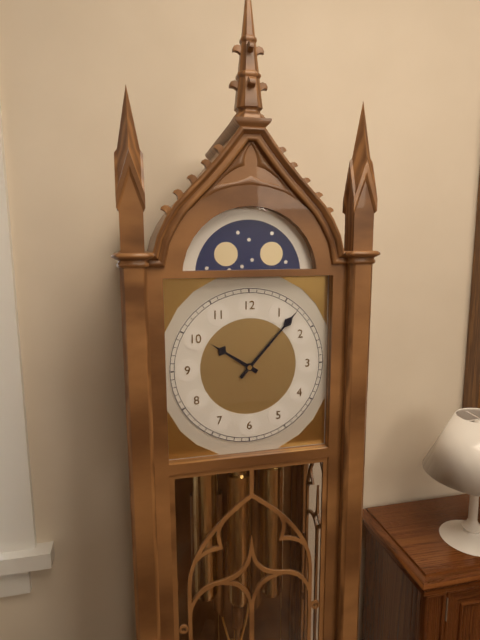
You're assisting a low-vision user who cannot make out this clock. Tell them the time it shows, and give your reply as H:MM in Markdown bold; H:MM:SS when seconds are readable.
**10:07**
